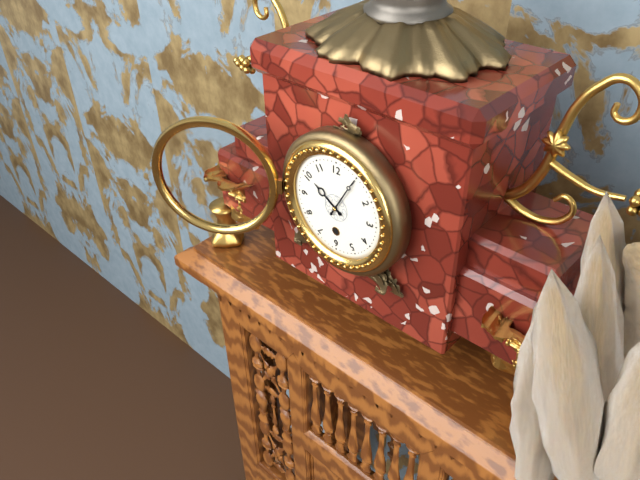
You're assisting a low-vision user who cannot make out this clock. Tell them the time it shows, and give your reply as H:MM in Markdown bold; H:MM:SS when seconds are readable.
**10:05**
